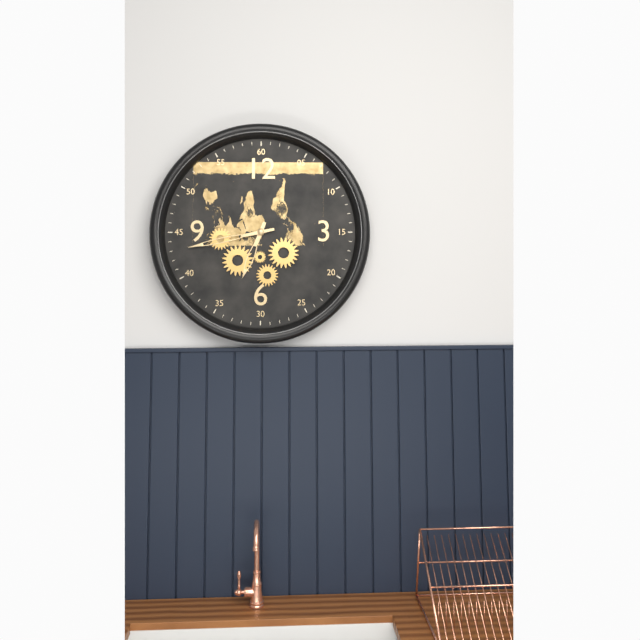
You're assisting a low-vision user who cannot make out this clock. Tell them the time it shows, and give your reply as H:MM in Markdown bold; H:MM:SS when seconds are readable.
**6:43**
